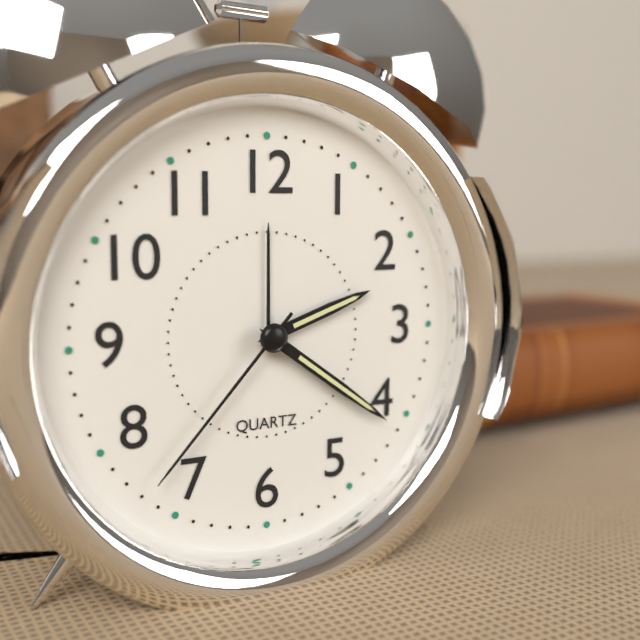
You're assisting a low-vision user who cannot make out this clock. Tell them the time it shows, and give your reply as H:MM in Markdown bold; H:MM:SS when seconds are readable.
**2:21:37**
